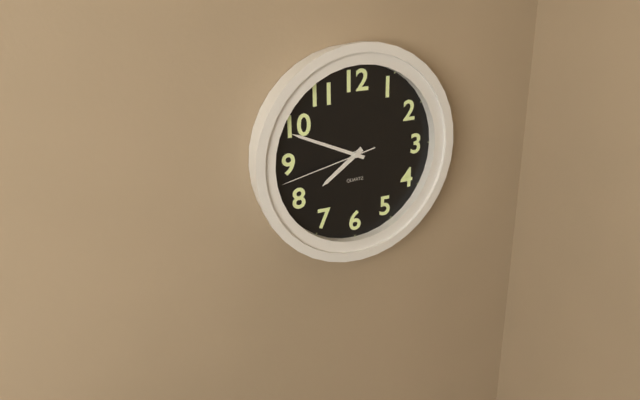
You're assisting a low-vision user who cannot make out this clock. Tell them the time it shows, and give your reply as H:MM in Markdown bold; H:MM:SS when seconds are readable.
**7:49:43**
